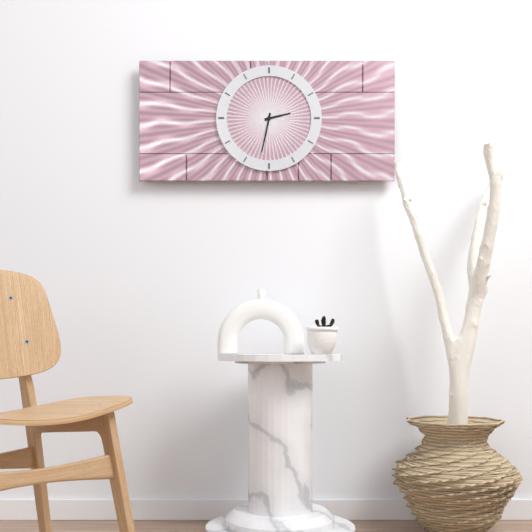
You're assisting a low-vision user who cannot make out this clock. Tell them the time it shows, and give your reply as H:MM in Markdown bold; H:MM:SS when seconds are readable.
**2:32**
